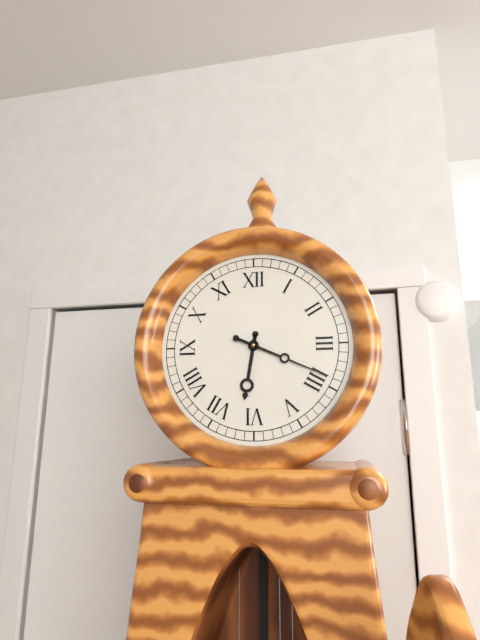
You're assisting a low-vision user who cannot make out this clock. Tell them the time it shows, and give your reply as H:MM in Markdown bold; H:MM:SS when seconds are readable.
**6:19**
